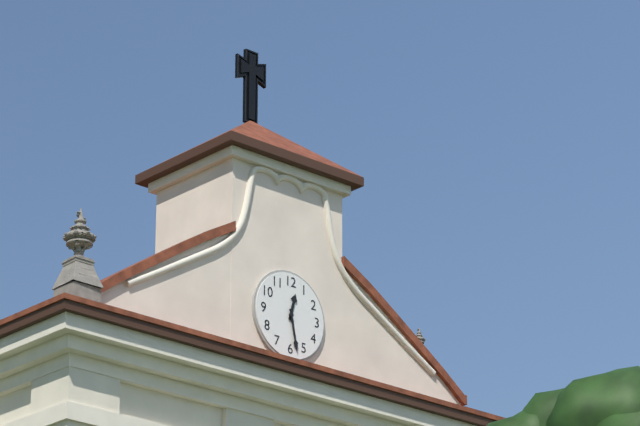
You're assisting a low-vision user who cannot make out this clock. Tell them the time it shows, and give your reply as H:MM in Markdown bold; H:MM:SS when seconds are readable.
**12:28**
